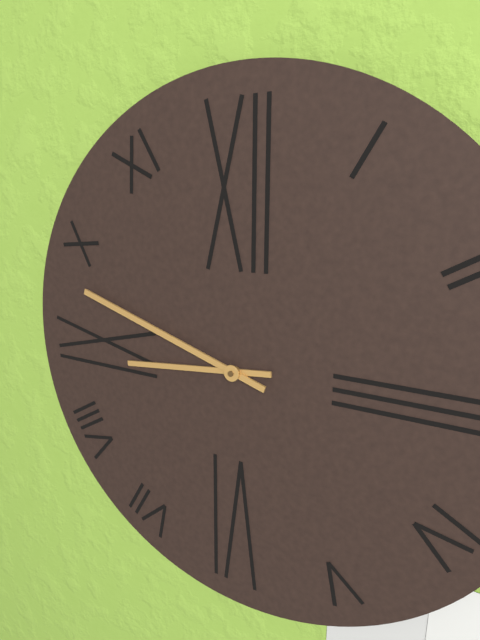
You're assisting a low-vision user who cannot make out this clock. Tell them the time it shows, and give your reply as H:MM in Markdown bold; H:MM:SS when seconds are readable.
**8:48**
